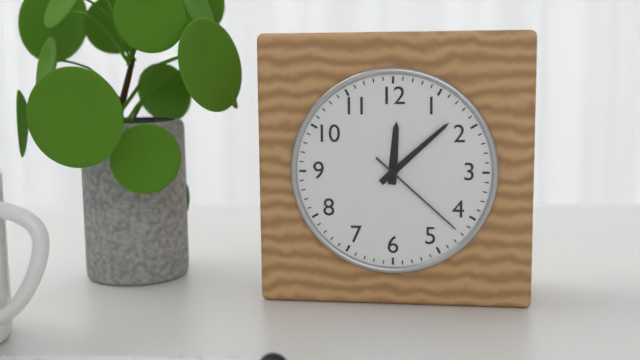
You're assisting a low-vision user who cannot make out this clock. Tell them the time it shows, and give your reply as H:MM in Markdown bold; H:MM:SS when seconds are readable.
**12:08:22**
